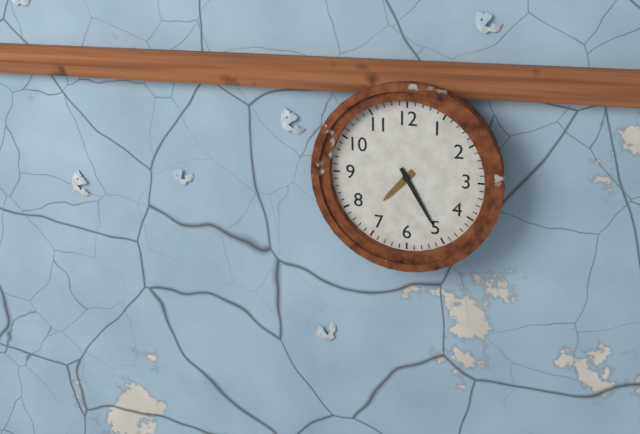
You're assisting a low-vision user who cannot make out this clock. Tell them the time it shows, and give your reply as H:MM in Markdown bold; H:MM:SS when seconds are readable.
**7:25**
